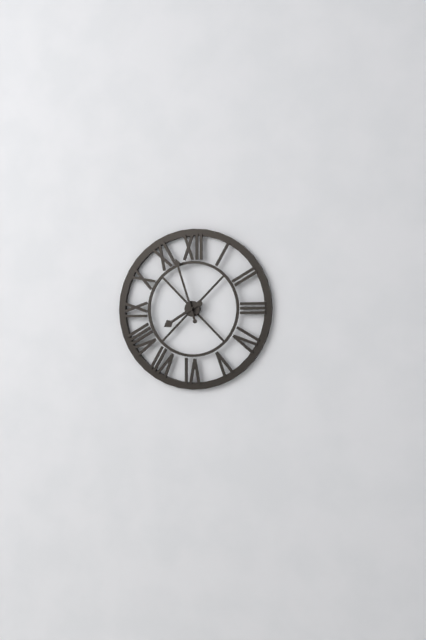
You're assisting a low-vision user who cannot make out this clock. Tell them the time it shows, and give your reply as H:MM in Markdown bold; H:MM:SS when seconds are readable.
**7:57**
